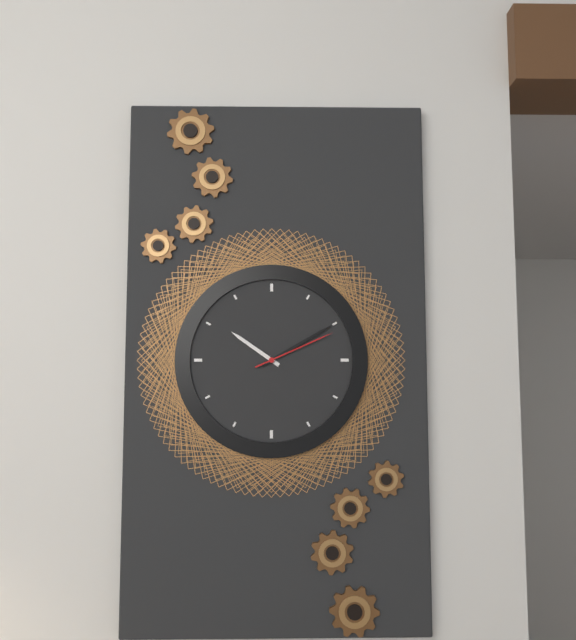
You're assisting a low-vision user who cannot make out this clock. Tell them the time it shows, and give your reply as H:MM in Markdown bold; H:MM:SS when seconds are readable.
**10:10:11**
